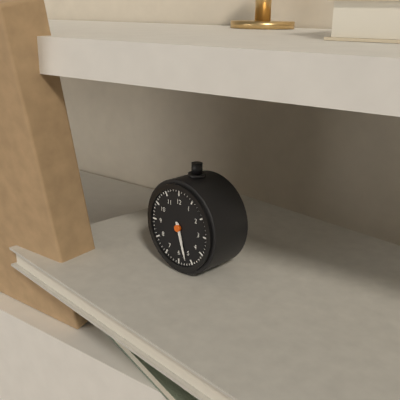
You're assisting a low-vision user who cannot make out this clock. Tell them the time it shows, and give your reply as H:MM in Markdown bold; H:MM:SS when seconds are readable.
**5:27**
